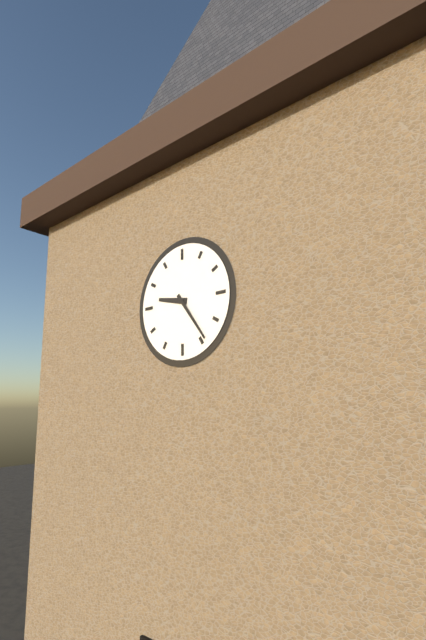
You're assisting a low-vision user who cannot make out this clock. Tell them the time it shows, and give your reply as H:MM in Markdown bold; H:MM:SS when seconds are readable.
**9:24**
